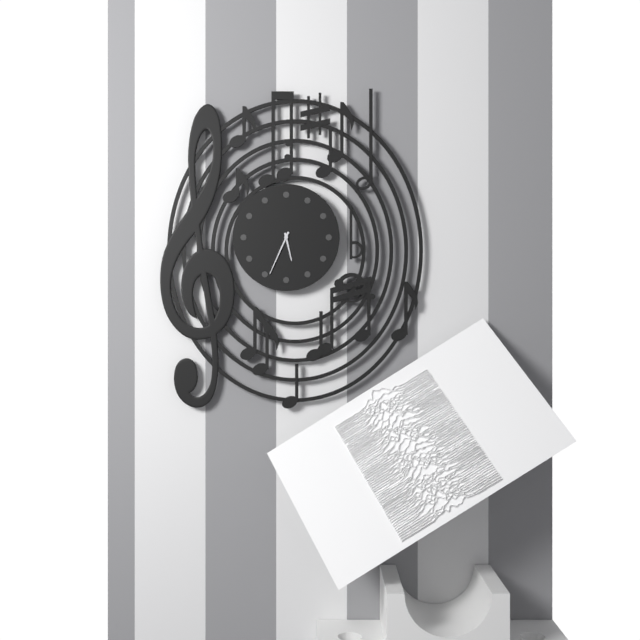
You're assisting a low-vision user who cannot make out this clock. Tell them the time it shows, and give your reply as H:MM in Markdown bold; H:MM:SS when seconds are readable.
**5:34**
